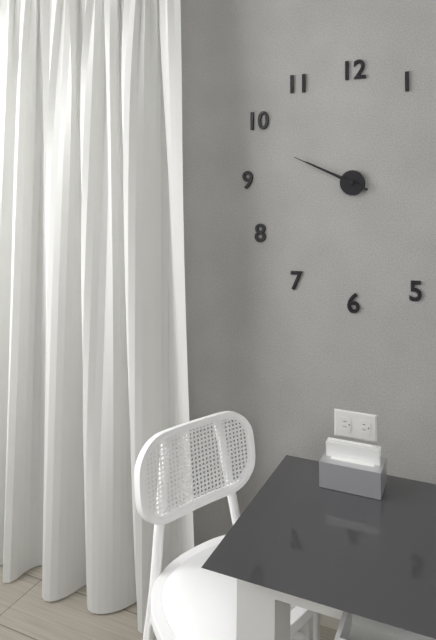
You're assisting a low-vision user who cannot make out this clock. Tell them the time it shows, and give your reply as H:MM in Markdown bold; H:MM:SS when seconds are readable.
**9:49**
